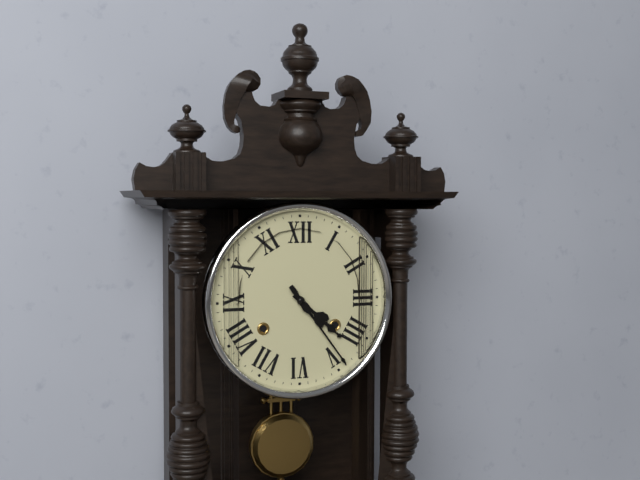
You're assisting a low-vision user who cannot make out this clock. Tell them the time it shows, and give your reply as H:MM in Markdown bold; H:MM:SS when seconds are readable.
**4:24**
